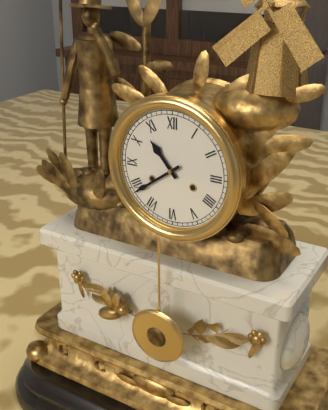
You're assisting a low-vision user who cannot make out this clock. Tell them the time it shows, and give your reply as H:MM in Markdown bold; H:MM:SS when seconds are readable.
**10:39**
